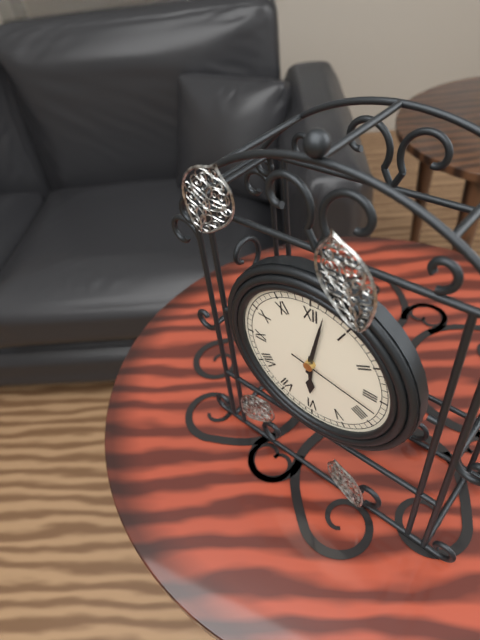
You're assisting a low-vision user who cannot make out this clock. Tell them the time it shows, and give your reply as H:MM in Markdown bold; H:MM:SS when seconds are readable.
**6:02:17**
